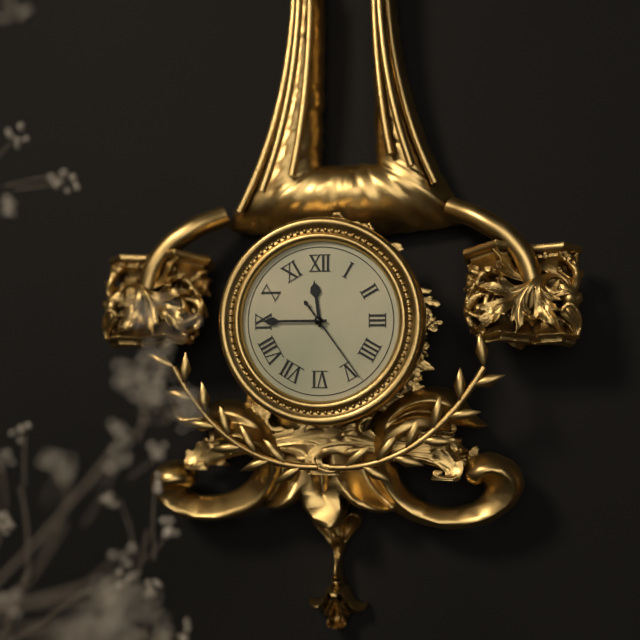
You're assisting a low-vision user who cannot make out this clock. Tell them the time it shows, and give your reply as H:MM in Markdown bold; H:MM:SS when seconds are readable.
**11:45:24**
